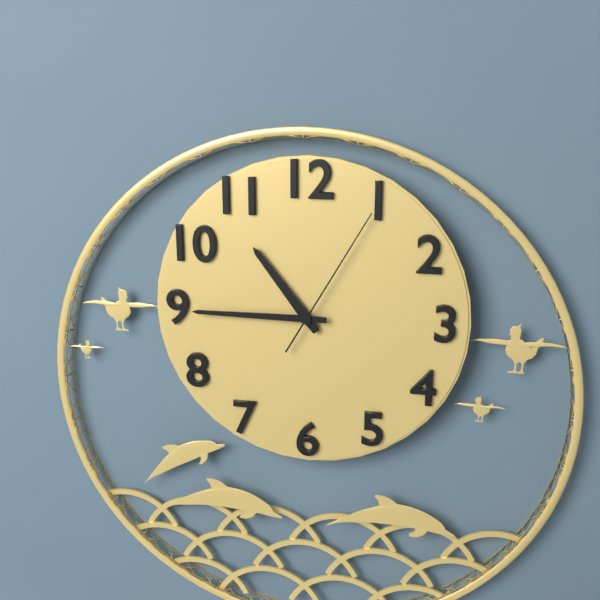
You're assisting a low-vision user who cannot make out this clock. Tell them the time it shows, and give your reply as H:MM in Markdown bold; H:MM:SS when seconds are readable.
**10:45:05**
